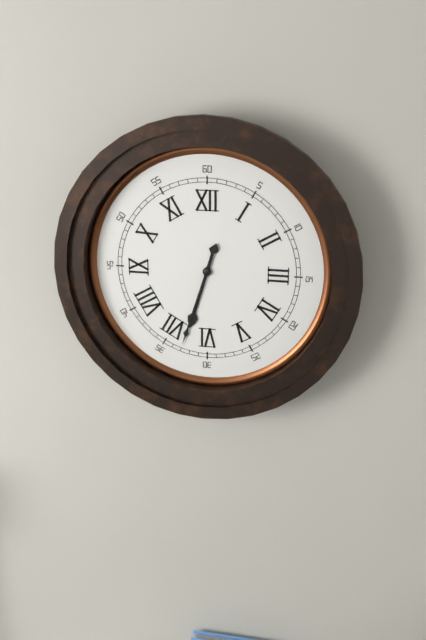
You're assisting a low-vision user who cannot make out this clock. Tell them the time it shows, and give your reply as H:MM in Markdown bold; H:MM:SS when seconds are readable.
**6:33**
